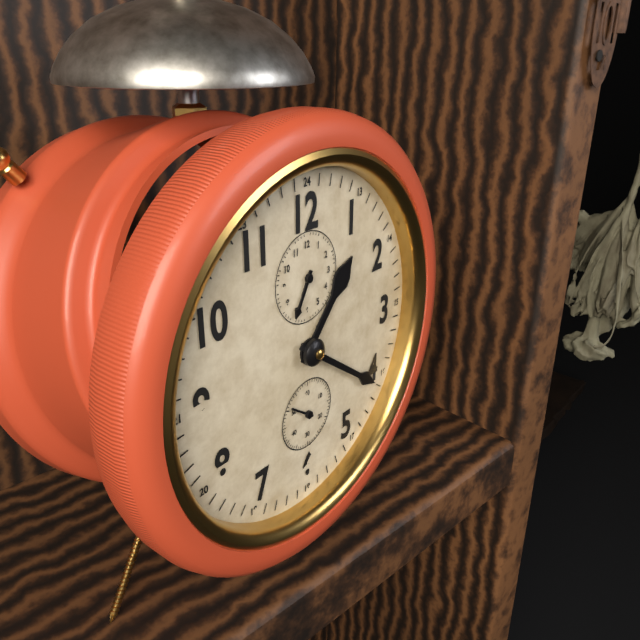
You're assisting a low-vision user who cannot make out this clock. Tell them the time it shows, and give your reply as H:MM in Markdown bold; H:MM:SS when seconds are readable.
**1:21**
